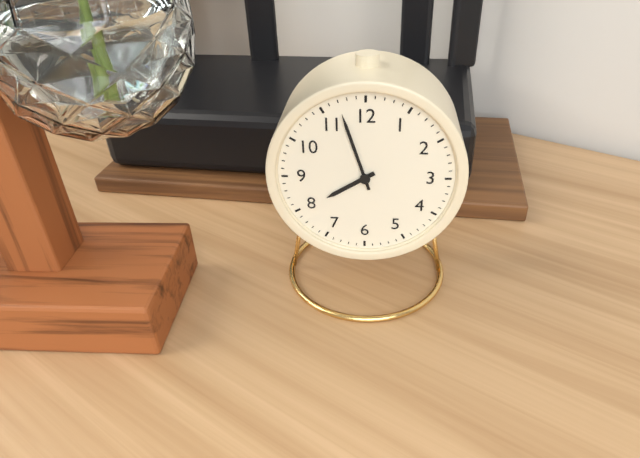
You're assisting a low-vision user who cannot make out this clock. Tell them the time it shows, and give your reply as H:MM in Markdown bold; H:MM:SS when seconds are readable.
**7:57**
